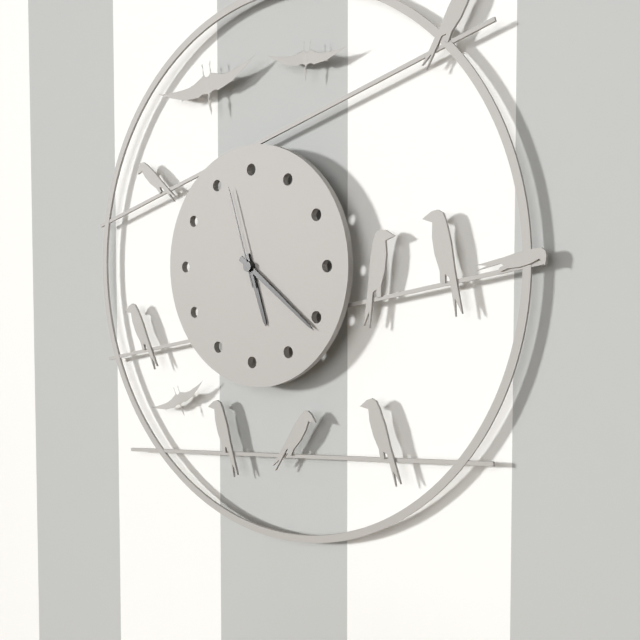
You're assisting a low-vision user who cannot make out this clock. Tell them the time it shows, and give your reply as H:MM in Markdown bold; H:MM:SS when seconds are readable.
**5:21:57**
